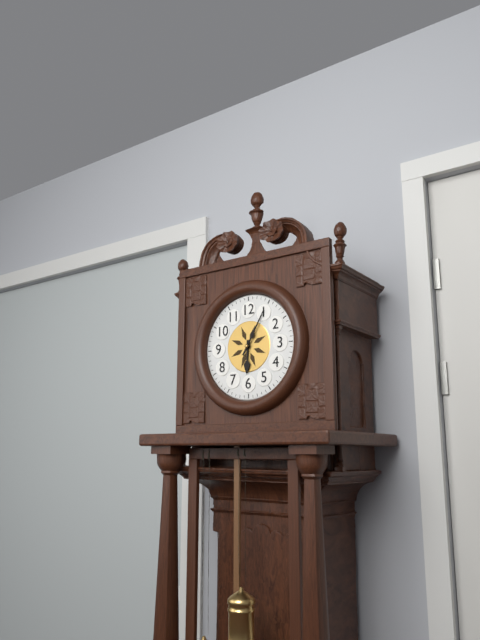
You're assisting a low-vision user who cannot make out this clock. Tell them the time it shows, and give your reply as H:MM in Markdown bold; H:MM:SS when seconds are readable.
**6:05**
